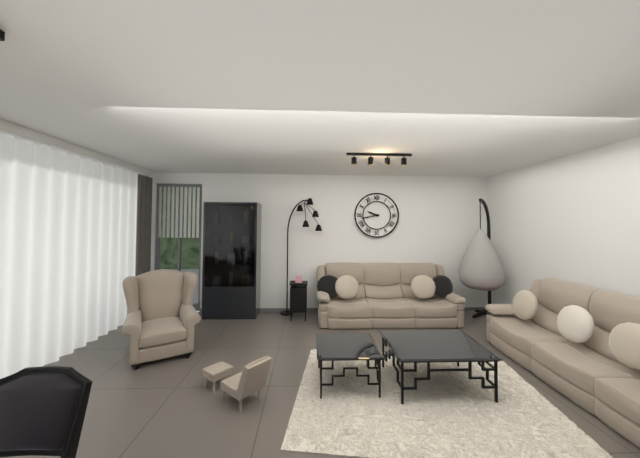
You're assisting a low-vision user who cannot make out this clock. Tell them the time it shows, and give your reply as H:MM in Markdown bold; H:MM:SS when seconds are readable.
**9:43**
